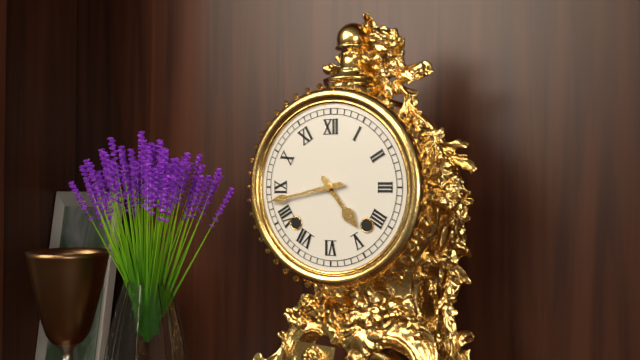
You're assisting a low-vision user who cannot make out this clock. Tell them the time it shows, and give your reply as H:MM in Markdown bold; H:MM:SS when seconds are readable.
**4:43**
